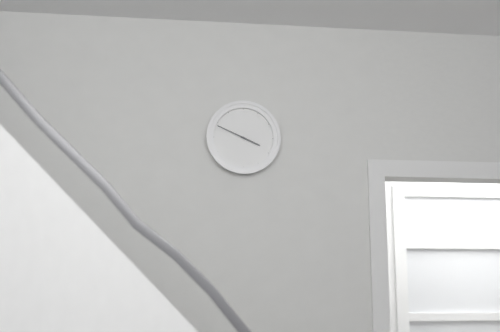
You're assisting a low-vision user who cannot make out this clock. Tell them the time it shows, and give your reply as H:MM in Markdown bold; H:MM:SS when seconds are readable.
**3:49**
